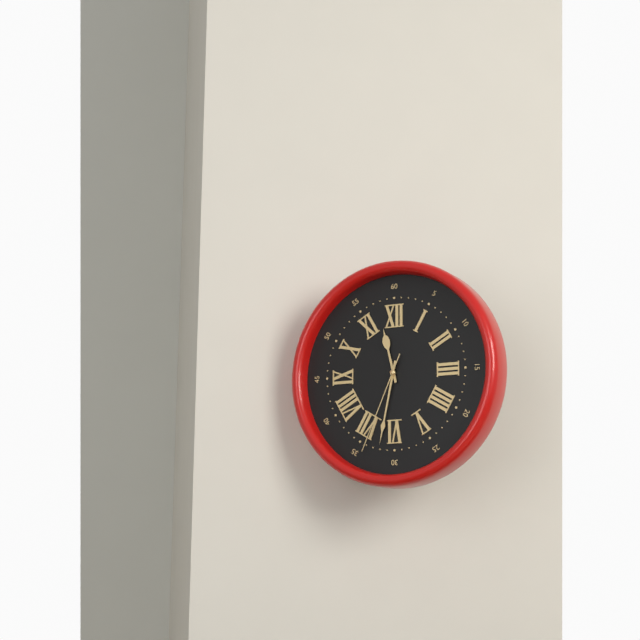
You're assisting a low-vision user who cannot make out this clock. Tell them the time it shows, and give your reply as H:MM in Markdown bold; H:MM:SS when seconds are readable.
**11:32:34**
